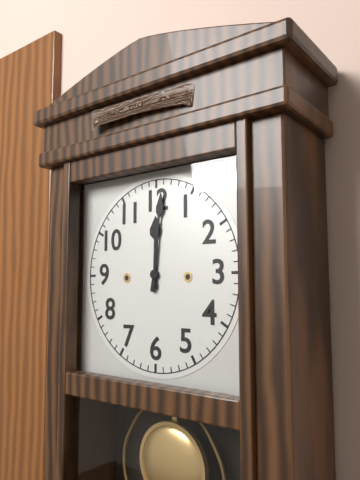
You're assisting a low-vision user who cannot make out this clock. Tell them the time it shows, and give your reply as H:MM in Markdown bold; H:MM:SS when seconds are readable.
**12:01**
